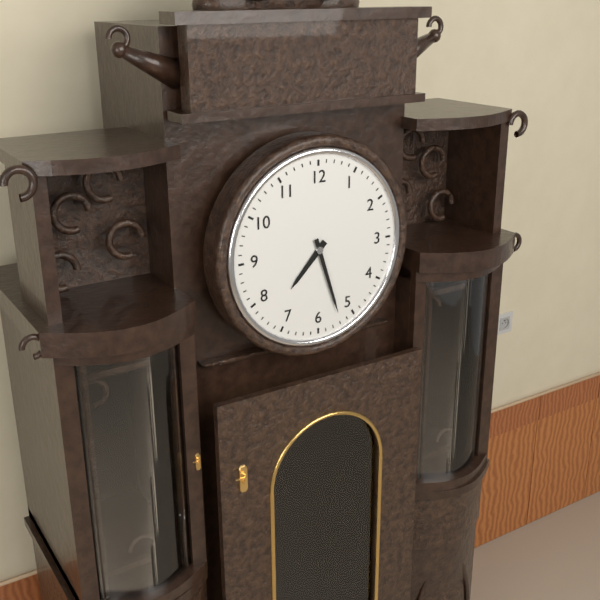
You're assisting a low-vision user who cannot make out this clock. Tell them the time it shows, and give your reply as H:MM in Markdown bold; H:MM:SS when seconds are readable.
**7:27**
